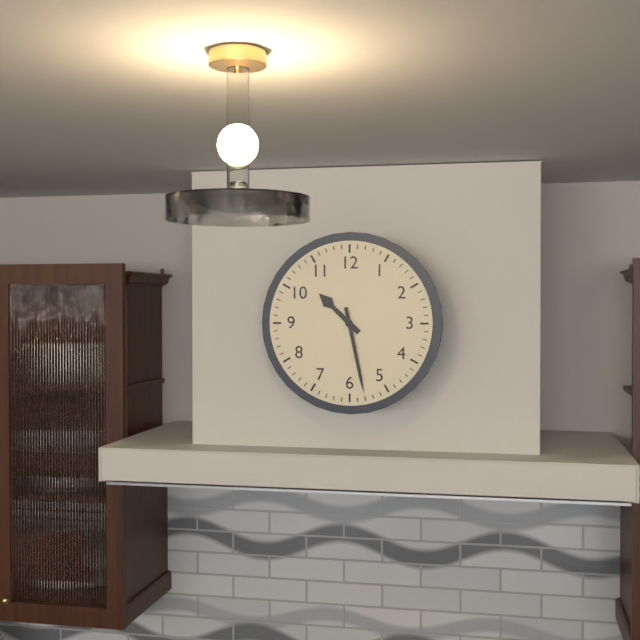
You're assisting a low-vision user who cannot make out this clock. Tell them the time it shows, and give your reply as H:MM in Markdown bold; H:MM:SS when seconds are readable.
**10:28**
